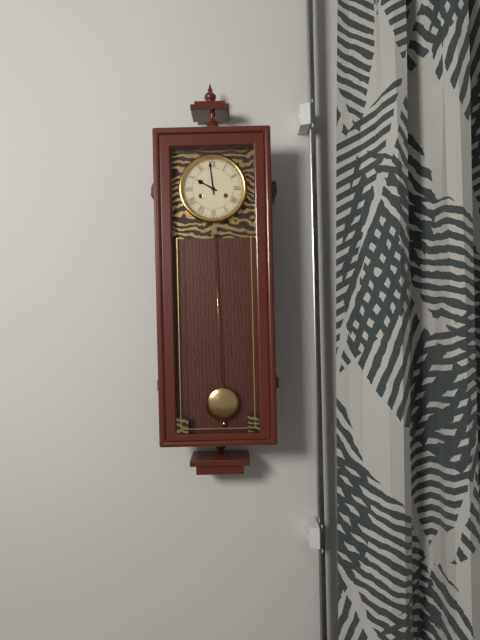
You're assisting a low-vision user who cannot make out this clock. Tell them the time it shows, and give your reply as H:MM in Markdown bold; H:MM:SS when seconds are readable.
**9:59**
